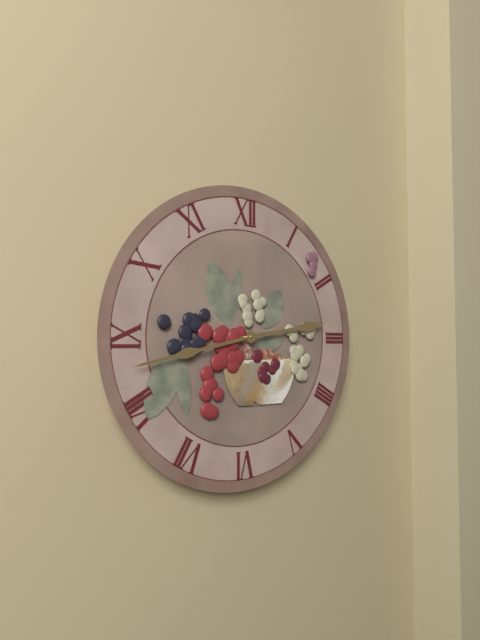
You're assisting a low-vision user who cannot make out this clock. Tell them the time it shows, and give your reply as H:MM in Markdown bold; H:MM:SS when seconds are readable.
**2:43**
